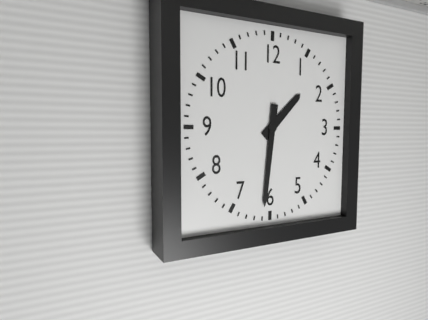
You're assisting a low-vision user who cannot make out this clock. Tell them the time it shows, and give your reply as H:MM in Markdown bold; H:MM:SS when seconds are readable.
**1:31**
